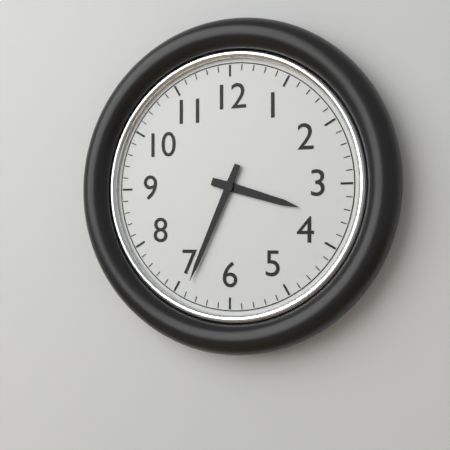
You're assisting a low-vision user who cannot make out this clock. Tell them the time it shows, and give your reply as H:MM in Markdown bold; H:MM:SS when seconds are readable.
**3:34**
